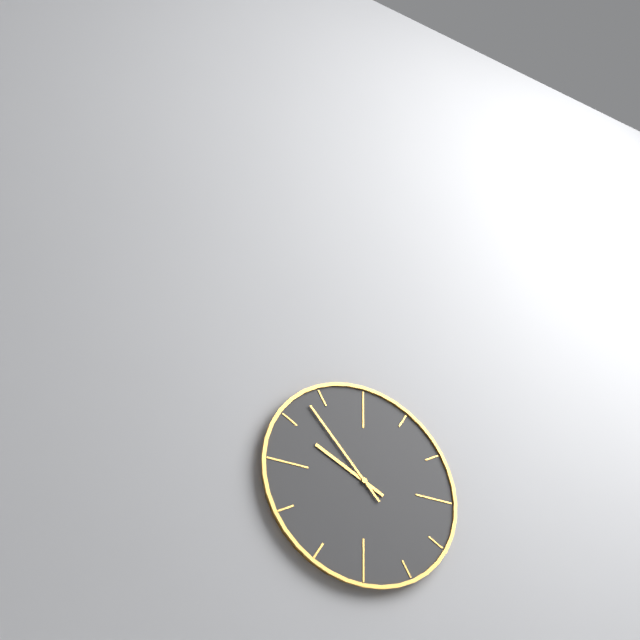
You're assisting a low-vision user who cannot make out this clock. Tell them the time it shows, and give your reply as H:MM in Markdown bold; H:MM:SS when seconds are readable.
**9:53**
